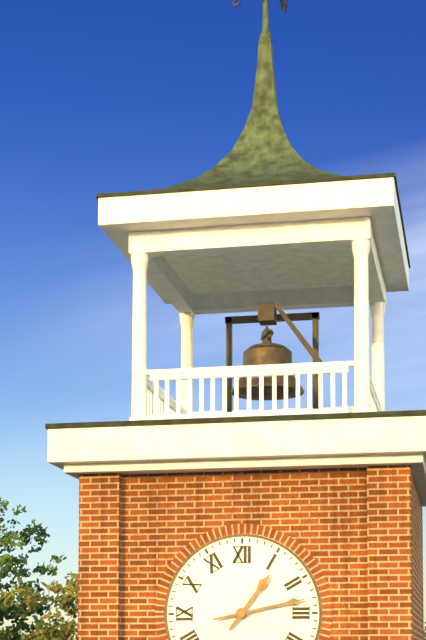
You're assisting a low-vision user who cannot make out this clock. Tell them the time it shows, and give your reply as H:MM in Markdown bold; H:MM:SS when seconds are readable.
**1:13**
